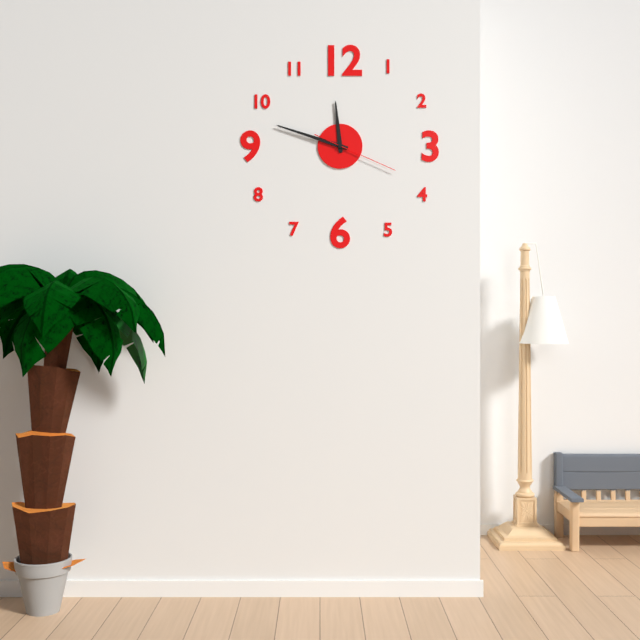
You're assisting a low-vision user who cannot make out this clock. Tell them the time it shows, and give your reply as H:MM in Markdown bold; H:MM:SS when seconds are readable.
**11:48:19**
